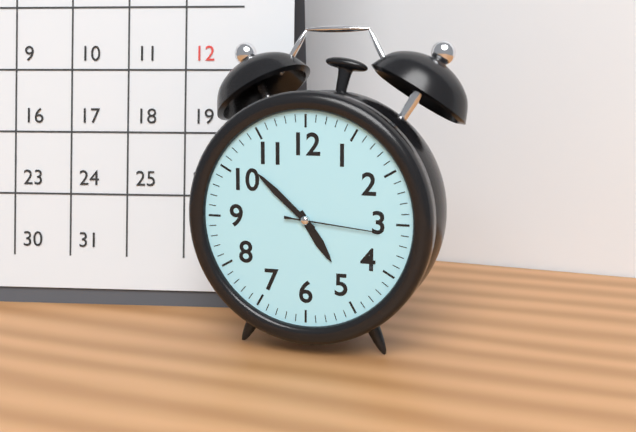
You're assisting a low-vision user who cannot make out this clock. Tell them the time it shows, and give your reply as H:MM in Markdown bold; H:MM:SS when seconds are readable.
**4:52:16**
